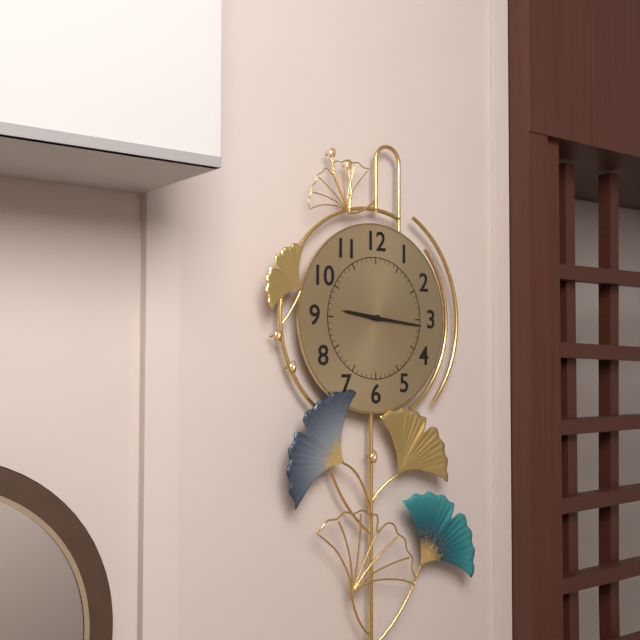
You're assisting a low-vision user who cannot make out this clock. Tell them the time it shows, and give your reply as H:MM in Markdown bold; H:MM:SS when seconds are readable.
**9:16**
